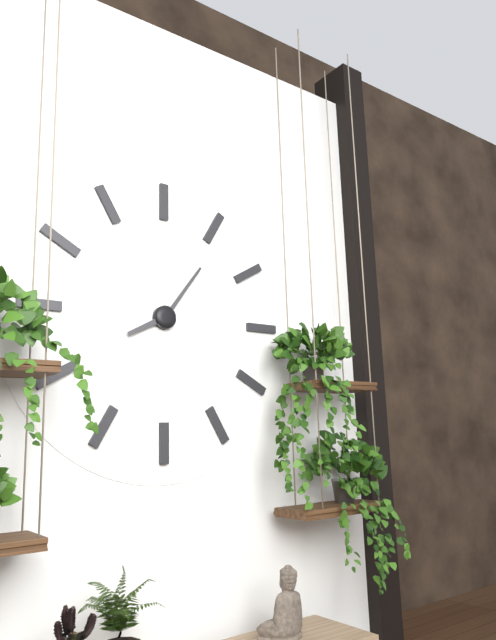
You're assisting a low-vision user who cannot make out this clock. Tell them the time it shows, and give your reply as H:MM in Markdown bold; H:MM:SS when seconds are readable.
**8:06**
